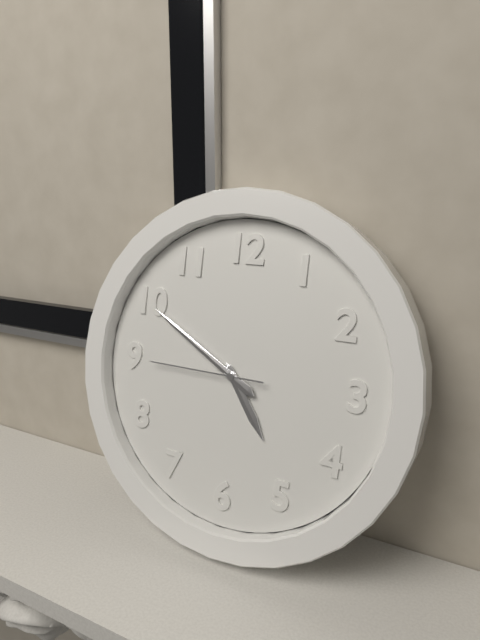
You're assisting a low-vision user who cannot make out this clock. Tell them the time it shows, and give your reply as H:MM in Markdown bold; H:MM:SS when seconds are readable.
**4:50:45**
